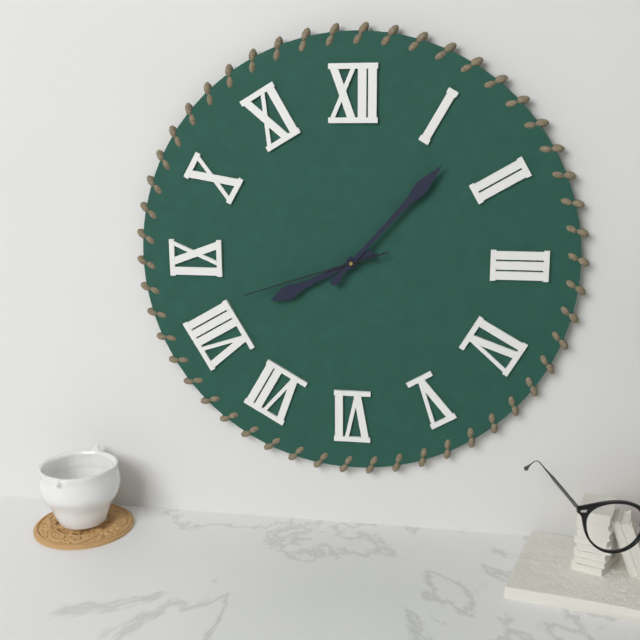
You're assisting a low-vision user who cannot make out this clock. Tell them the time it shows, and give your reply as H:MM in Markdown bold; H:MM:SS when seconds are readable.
**8:07:42**
